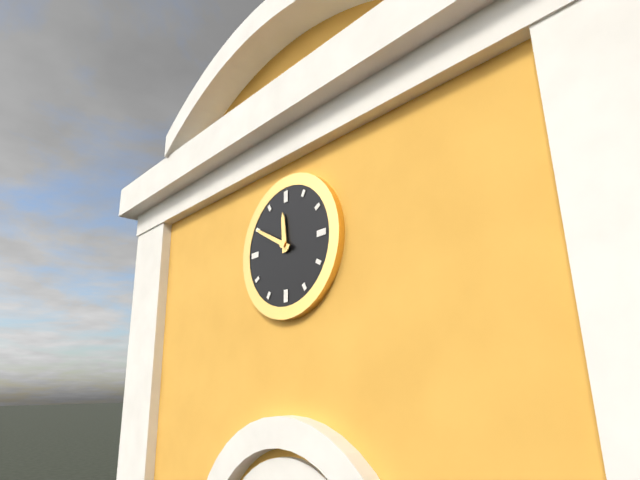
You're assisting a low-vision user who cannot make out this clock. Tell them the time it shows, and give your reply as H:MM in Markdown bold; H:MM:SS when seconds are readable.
**11:50**
